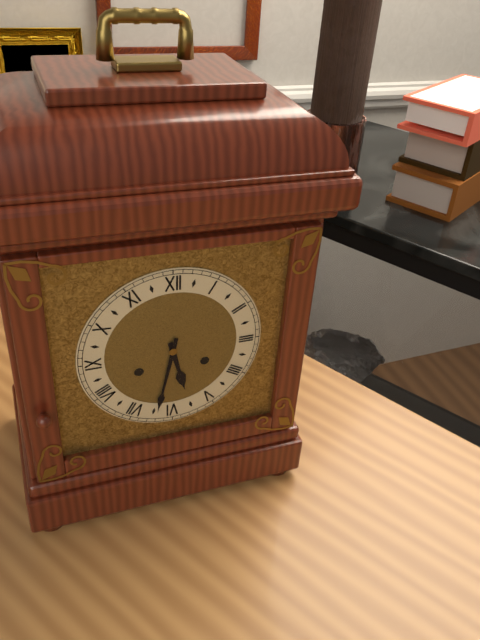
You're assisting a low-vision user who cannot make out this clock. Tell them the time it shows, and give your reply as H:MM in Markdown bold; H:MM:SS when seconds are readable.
**5:32**
